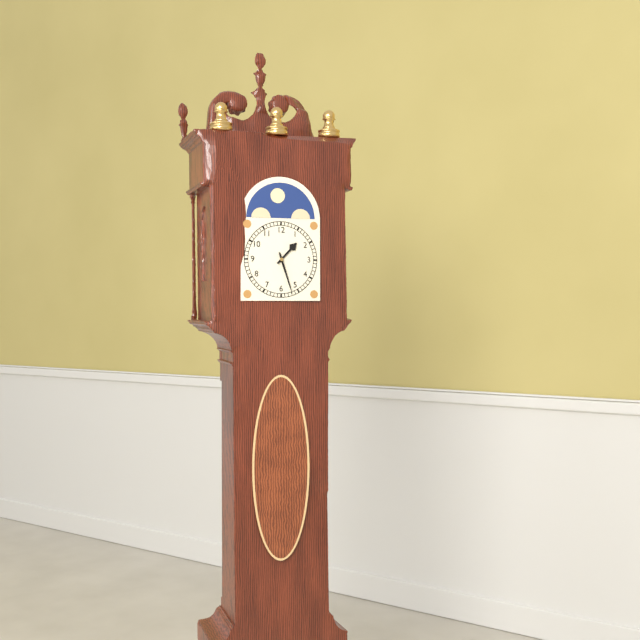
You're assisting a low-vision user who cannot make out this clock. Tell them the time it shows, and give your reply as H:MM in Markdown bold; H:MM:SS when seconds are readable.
**1:27**
